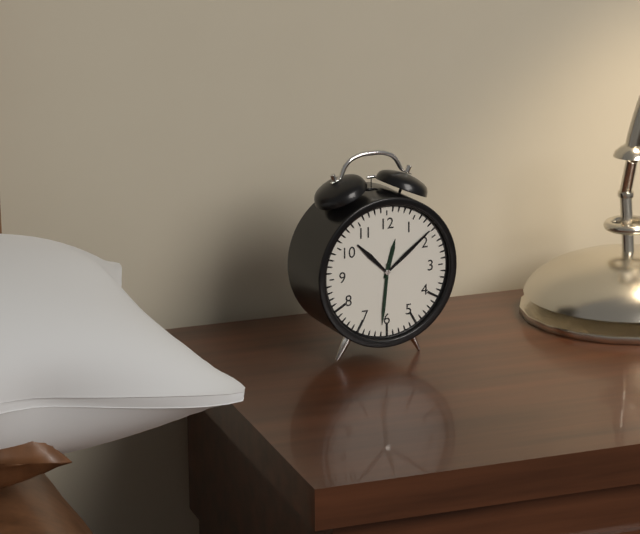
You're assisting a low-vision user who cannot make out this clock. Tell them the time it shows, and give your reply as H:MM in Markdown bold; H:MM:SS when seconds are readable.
**12:31**
